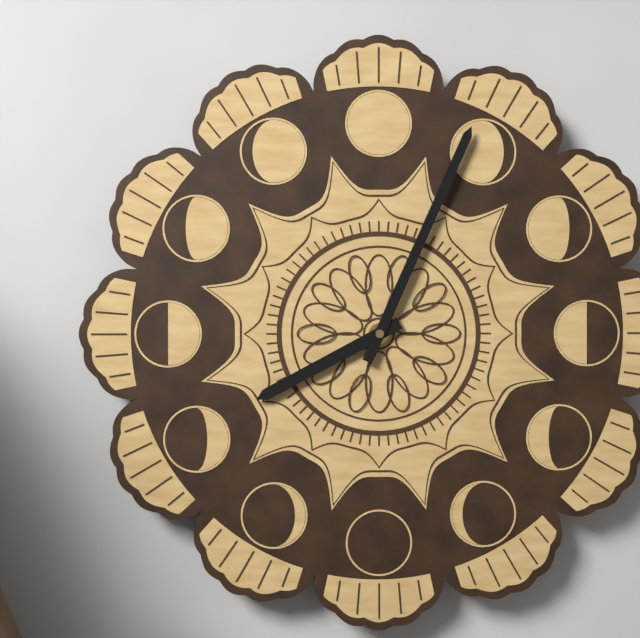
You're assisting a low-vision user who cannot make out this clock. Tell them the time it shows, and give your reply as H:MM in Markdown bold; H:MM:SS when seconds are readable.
**8:04**
